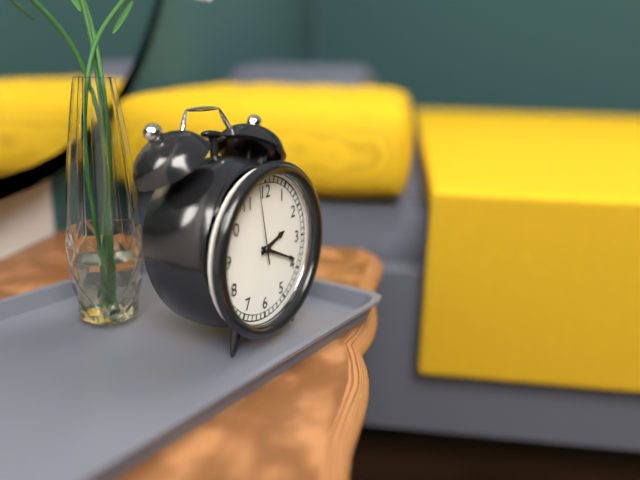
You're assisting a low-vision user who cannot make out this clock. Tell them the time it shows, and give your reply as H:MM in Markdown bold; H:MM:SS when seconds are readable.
**2:19:58**
